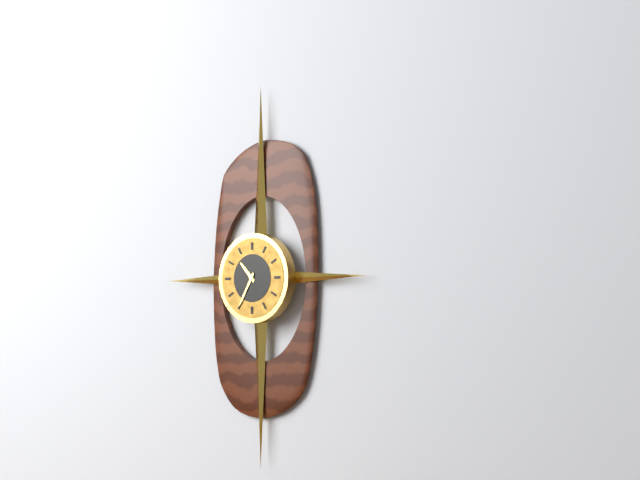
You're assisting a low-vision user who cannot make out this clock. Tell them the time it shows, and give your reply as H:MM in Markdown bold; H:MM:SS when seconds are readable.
**10:35**
